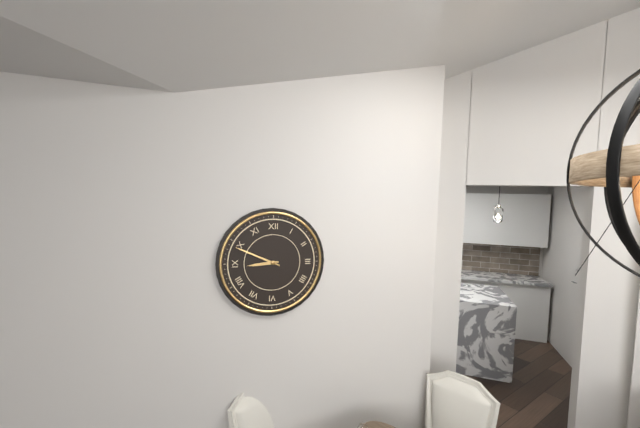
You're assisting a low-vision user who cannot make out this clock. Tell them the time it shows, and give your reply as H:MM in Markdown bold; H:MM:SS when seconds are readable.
**8:49**
